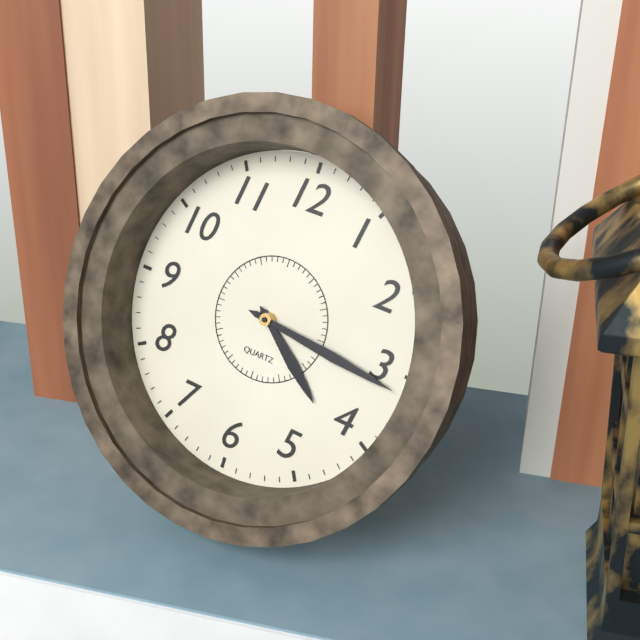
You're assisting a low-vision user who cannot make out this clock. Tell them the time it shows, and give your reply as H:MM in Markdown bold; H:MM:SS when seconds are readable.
**4:16**
